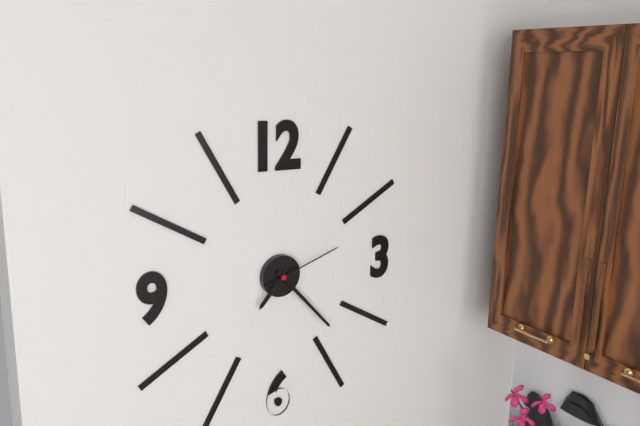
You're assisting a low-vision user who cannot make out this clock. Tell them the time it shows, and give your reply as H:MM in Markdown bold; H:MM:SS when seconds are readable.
**7:23:12**
